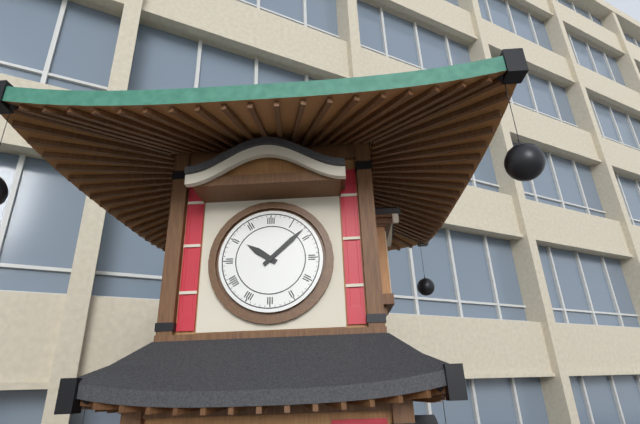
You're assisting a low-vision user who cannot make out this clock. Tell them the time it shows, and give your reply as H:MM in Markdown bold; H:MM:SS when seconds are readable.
**10:08**
